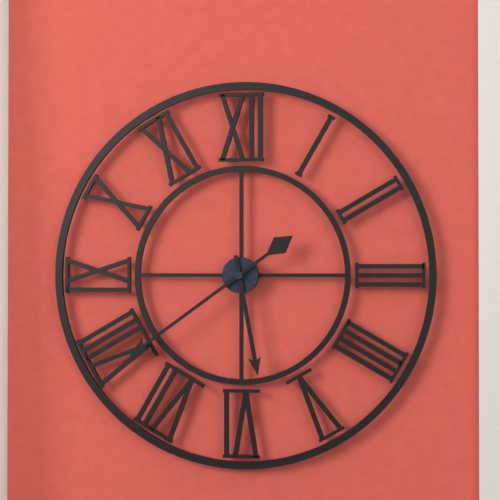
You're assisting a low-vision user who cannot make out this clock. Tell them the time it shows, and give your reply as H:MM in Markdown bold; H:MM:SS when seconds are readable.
**5:39**
